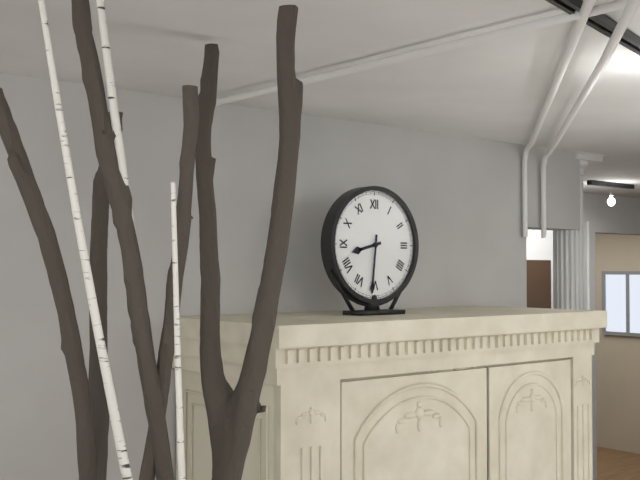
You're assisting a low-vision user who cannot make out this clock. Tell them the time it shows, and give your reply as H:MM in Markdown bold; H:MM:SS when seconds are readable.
**8:31**
